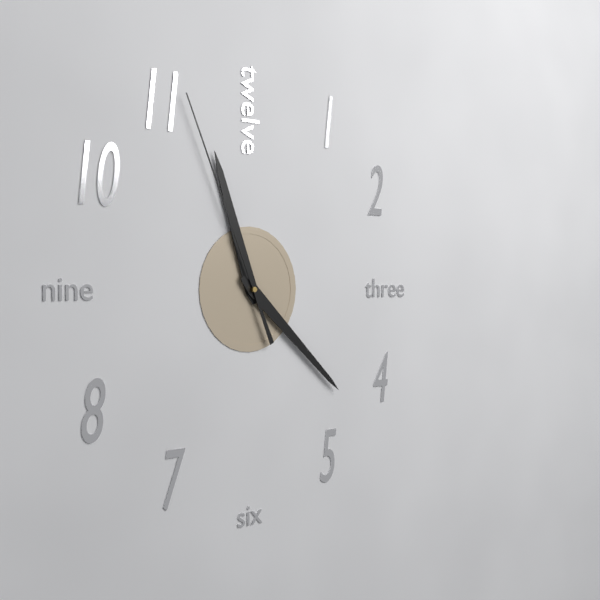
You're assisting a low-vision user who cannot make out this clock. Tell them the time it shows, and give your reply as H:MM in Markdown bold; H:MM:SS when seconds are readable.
**11:22:56**
